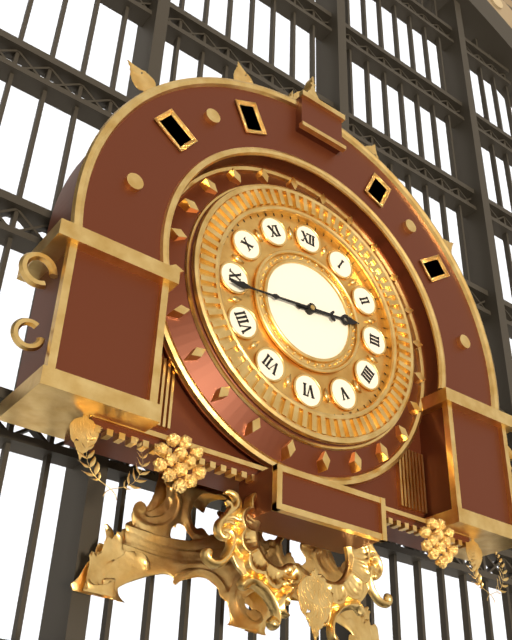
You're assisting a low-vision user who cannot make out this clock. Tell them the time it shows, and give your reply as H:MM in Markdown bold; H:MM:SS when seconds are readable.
**2:44**
